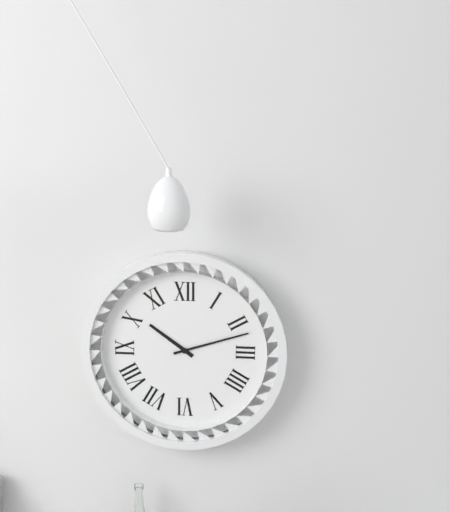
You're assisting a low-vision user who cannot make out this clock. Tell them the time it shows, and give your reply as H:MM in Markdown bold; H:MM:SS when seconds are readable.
**10:12**
